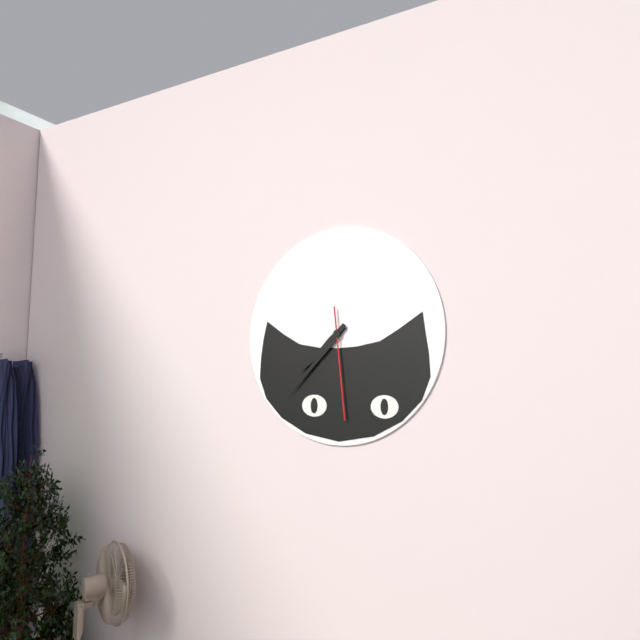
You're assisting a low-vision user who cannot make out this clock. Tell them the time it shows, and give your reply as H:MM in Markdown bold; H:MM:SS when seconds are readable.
**7:37:29**
